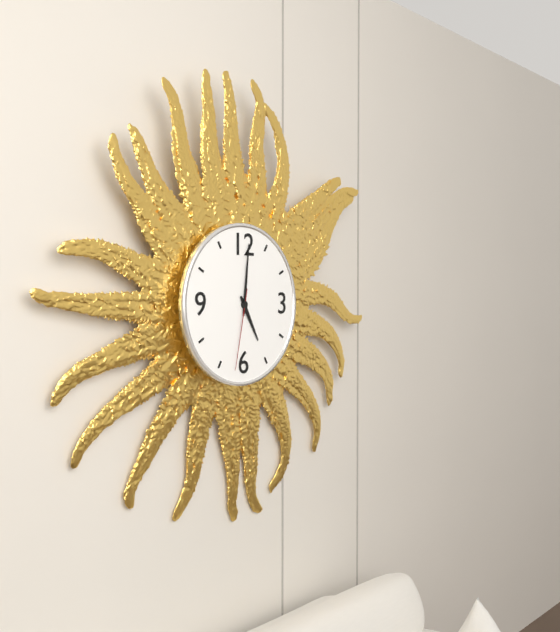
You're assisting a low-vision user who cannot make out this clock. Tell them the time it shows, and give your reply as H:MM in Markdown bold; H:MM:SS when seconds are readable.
**5:01:32**
